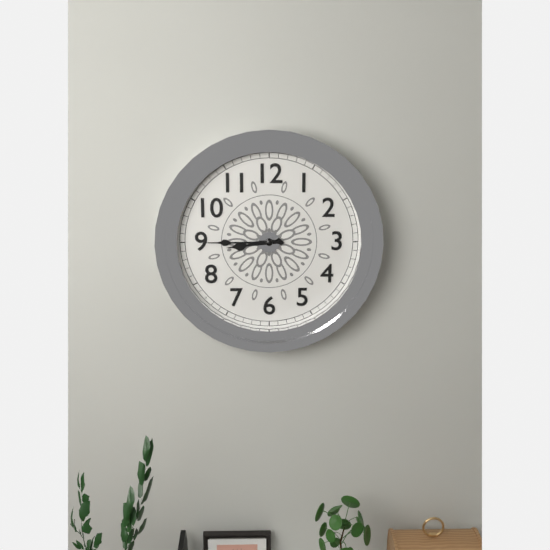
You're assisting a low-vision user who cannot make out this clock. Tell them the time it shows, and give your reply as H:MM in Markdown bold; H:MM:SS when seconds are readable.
**8:45**
